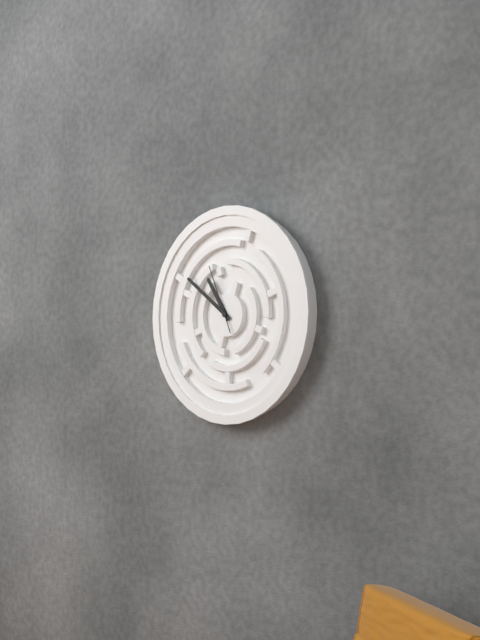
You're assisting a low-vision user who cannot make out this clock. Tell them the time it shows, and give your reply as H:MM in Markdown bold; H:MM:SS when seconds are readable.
**10:51:56**
